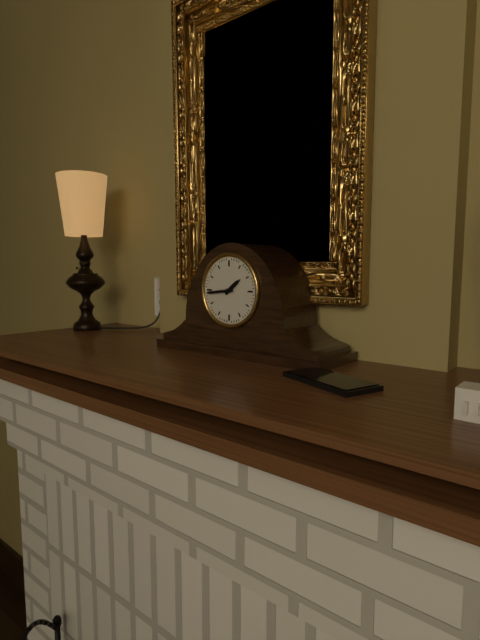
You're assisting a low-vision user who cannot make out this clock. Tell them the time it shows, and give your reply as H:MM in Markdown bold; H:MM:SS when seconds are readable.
**1:44**
